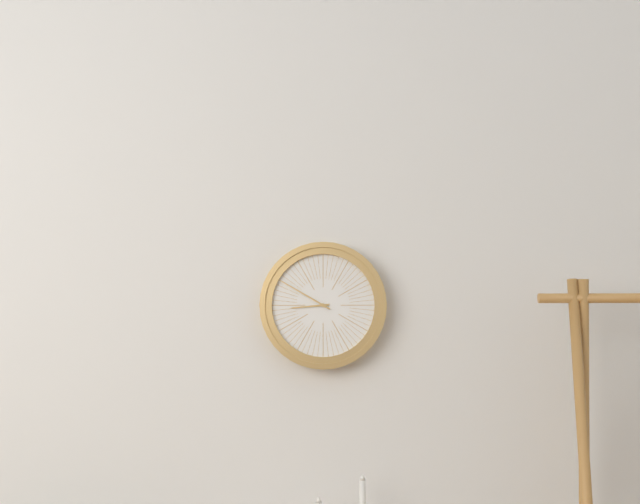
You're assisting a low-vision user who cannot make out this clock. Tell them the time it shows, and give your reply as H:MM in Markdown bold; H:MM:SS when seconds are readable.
**8:50**
